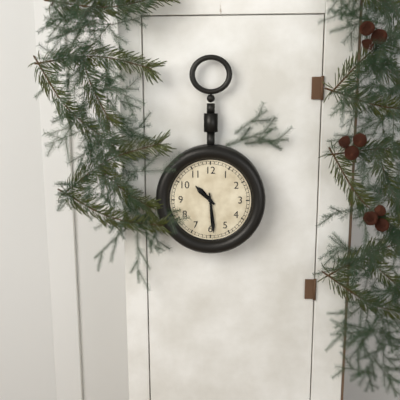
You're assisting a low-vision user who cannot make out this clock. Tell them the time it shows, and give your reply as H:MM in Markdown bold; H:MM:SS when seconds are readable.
**10:29**
